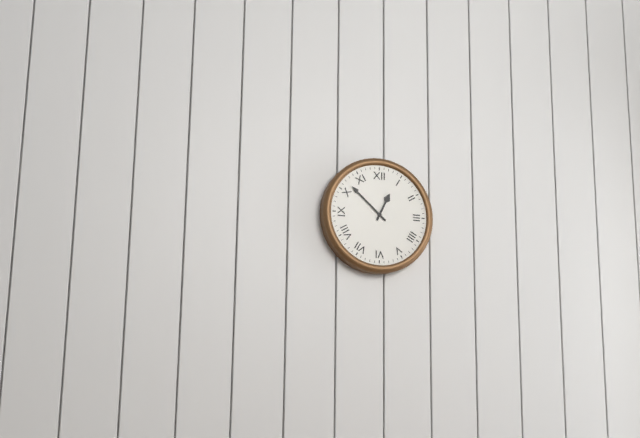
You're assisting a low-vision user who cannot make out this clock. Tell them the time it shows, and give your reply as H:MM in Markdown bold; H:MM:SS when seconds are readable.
**12:52**
